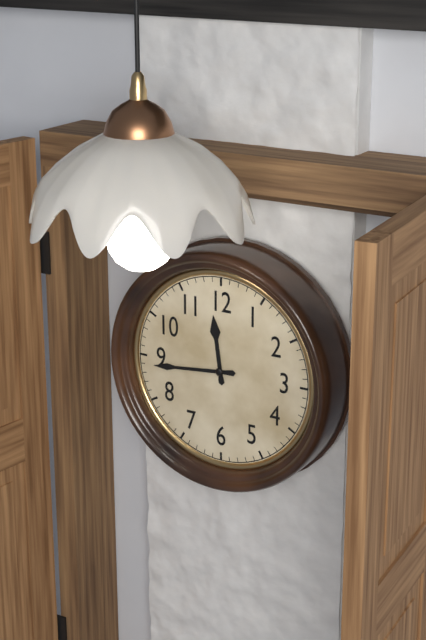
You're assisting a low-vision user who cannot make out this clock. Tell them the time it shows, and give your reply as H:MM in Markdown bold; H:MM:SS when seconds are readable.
**11:44**
